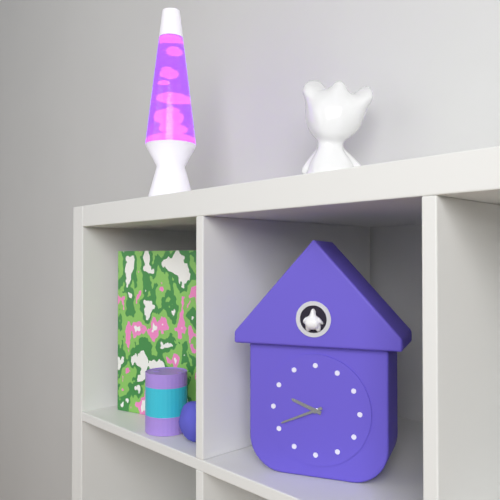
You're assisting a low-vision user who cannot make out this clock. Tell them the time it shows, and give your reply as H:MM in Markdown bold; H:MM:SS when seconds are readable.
**9:41**
